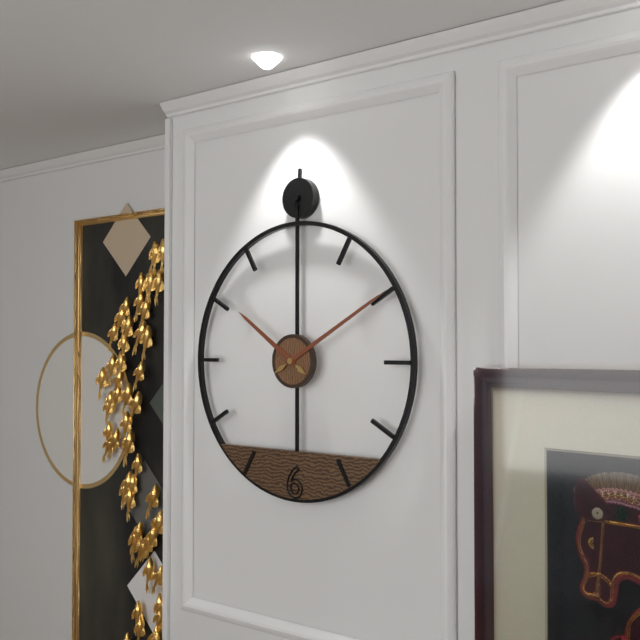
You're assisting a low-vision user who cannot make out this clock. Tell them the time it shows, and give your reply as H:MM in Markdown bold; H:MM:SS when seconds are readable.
**10:10**
